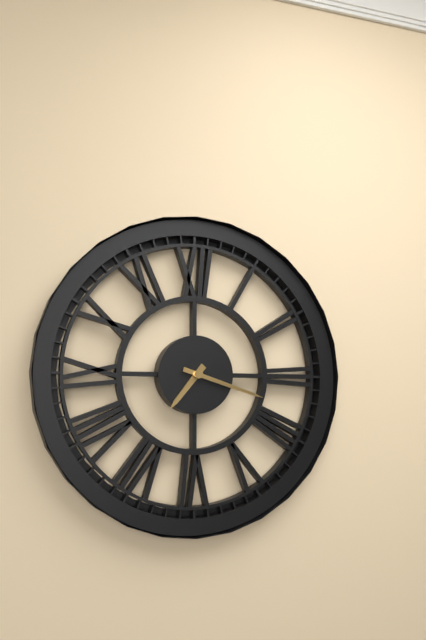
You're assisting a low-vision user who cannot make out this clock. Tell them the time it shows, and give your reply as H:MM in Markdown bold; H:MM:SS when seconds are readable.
**7:18**
